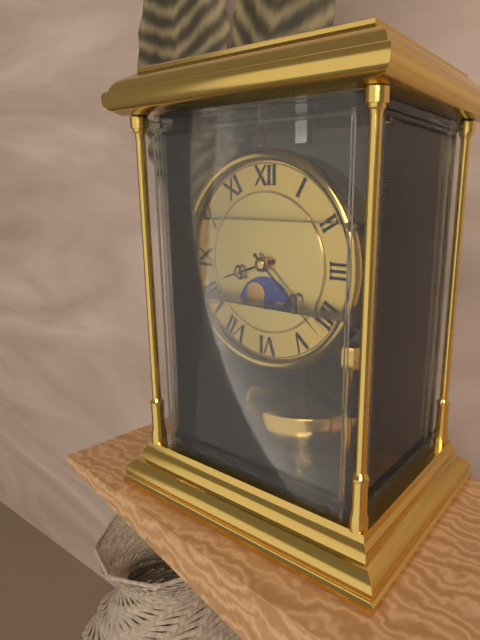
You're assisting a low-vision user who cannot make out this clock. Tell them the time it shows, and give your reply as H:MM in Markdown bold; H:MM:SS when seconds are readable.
**8:22**
